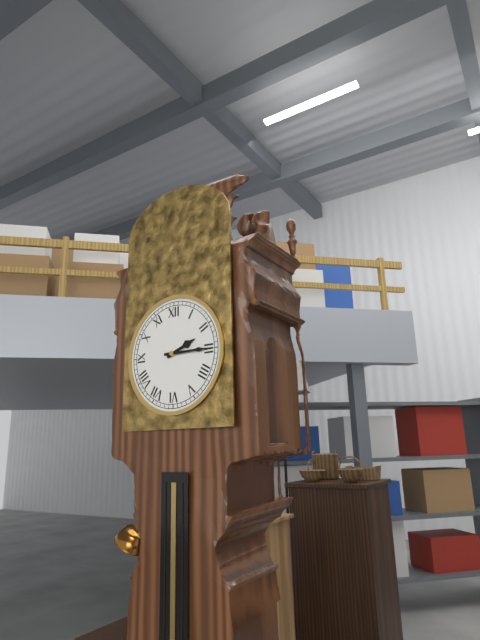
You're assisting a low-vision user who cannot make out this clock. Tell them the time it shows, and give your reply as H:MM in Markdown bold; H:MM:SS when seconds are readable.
**2:15**
